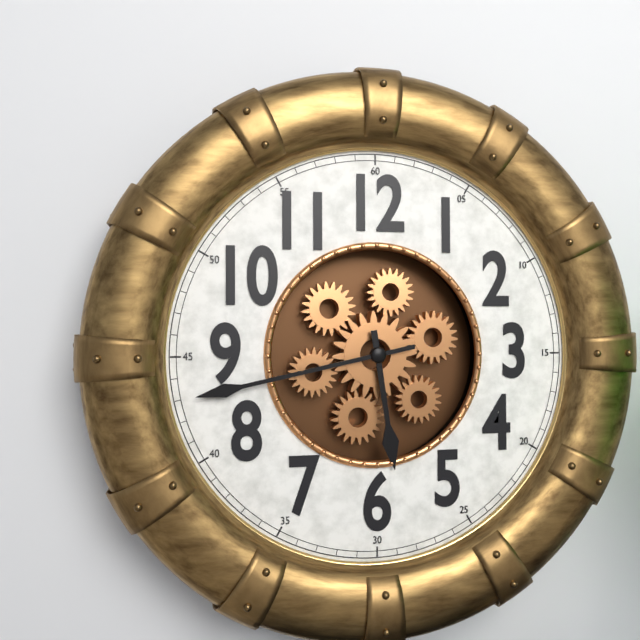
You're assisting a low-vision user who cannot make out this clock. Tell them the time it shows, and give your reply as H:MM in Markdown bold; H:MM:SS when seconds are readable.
**5:43**
